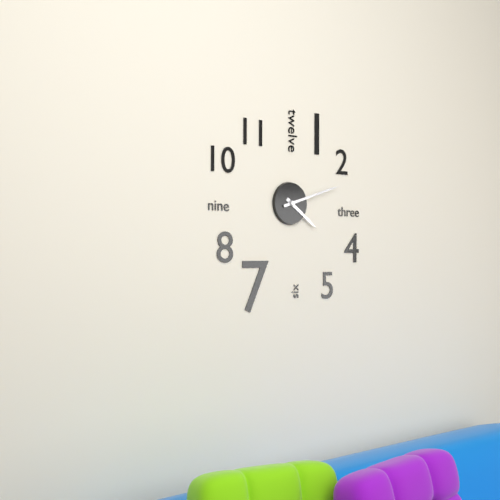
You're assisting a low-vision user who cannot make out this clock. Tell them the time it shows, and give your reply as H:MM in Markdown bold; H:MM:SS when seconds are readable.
**4:12**
